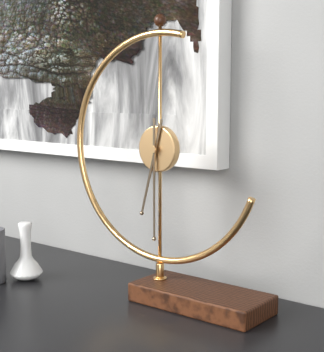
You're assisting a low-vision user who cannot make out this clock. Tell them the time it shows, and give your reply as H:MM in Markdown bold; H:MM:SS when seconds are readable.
**6:30**
